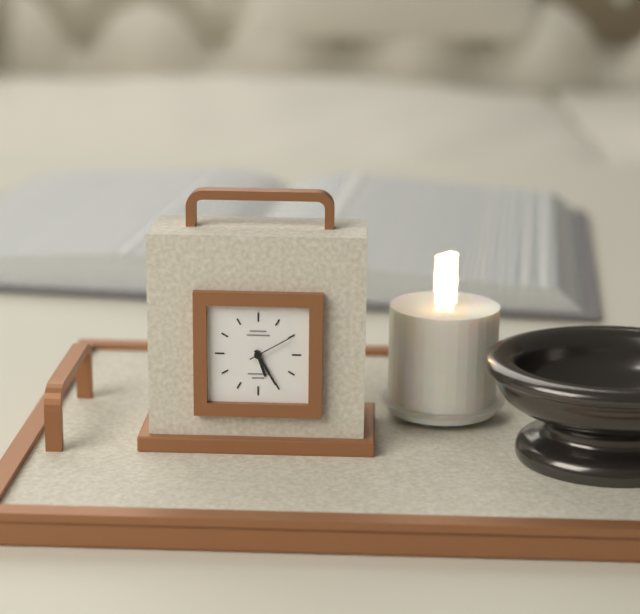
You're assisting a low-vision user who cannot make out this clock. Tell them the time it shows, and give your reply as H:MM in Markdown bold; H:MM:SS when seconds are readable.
**5:25**
